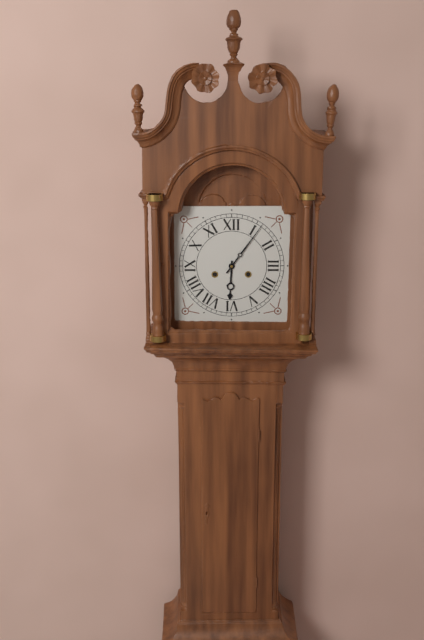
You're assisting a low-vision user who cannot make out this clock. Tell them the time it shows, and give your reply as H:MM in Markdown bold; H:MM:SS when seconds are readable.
**6:06**
